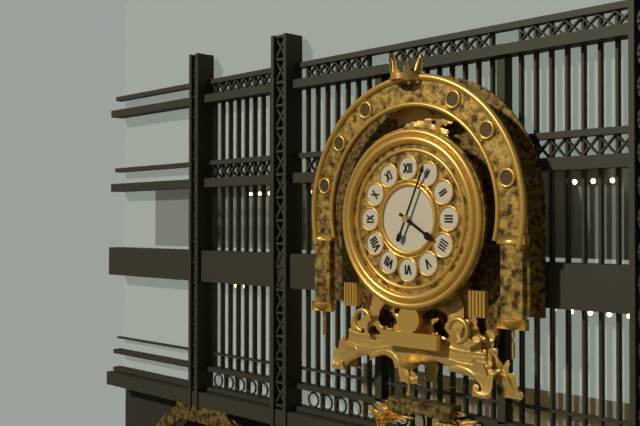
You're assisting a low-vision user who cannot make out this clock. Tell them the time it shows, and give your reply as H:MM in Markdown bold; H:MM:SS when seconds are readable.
**4:04**
